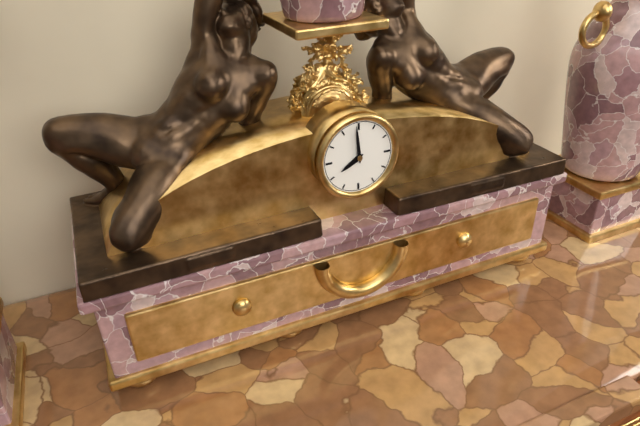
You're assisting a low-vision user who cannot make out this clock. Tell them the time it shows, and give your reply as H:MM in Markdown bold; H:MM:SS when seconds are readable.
**7:59**
